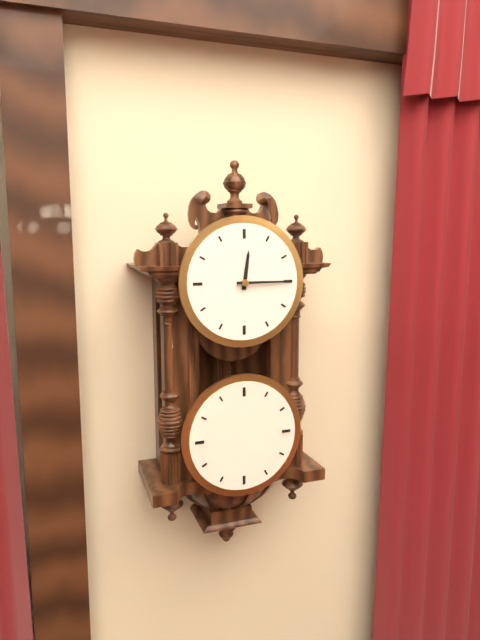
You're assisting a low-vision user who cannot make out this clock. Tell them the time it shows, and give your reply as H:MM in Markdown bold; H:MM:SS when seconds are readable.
**12:15**
